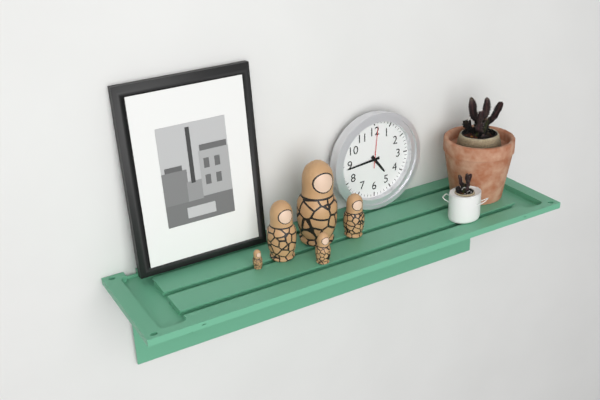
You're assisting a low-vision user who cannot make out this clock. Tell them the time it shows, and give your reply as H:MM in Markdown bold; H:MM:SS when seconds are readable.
**4:44**
